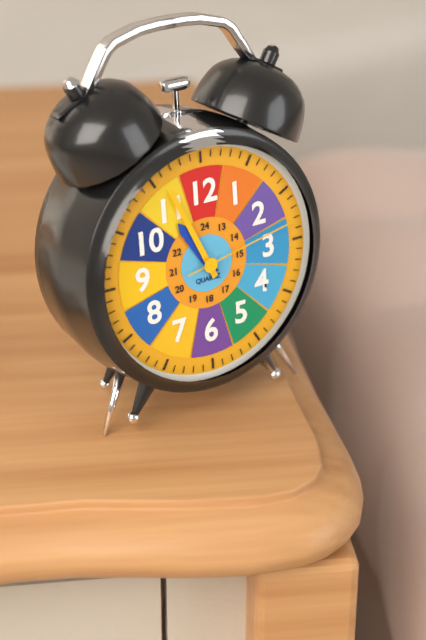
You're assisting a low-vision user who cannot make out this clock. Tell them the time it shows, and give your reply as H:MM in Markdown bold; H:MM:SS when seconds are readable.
**10:56:13**
